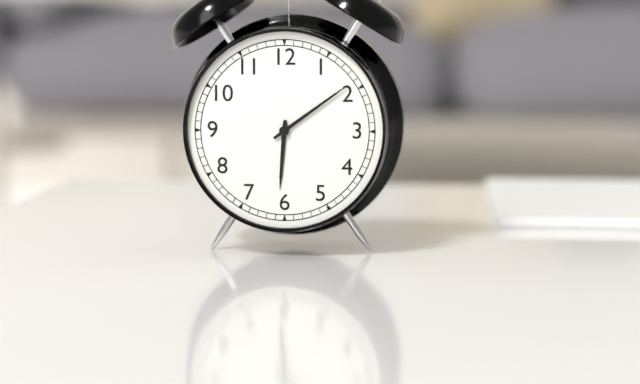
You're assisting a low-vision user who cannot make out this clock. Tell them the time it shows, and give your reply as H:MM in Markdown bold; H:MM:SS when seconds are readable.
**6:09**
